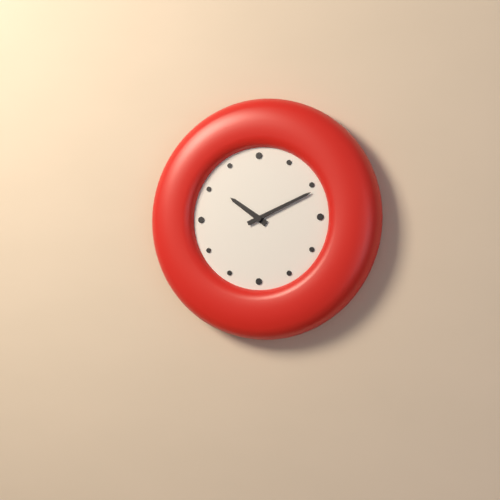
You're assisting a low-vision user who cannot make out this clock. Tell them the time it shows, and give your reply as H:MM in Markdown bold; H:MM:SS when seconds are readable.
**10:11**
